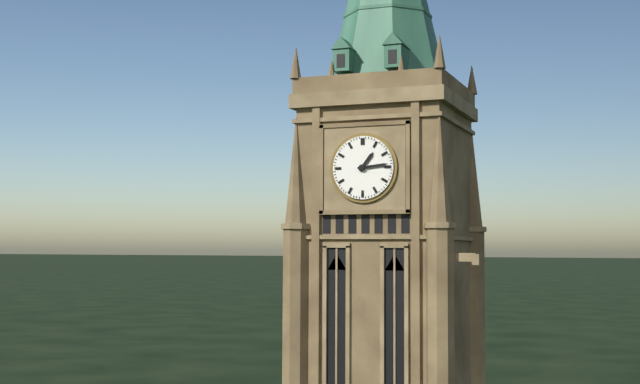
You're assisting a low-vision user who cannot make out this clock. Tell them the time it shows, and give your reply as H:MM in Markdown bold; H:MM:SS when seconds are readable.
**1:14**
